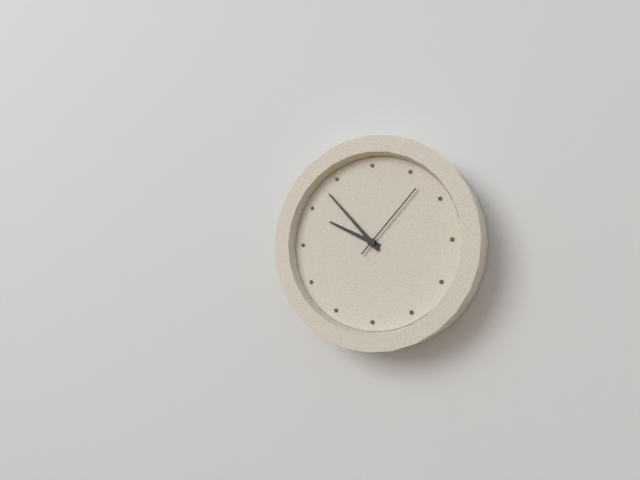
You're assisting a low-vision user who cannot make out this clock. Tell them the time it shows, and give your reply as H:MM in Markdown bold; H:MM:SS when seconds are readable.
**9:53:07**
